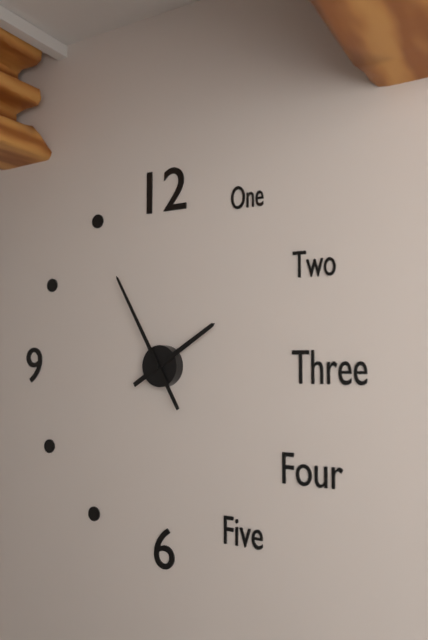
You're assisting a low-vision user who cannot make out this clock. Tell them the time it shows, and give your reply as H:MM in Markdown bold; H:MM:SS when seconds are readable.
**1:55**
